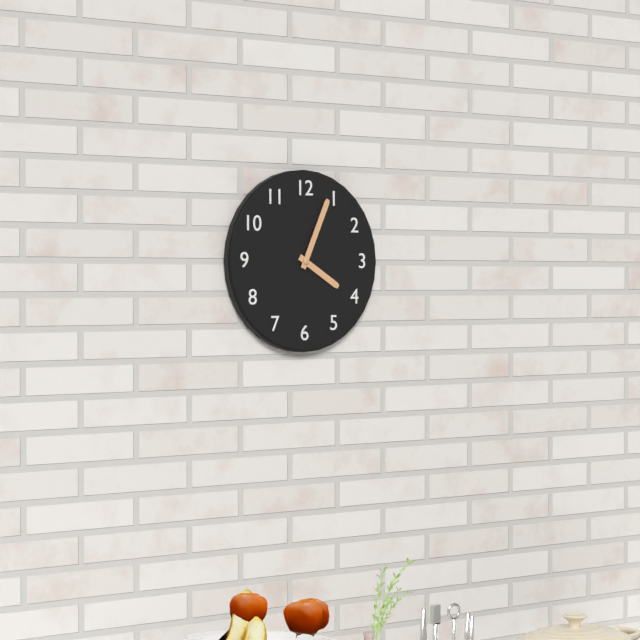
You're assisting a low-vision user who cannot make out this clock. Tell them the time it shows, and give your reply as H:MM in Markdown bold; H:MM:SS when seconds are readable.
**4:04**
